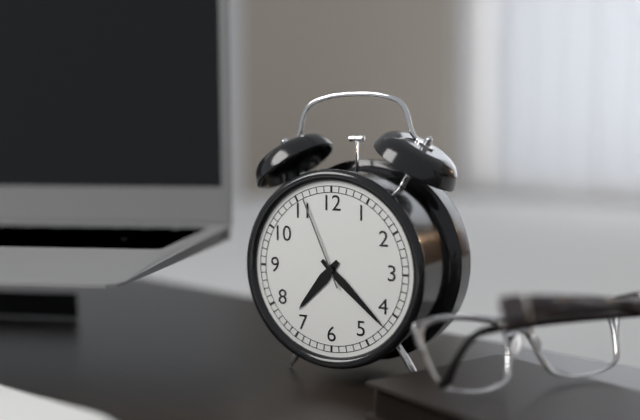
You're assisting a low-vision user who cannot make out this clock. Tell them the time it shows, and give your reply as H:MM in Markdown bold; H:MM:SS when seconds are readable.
**7:22:56**
